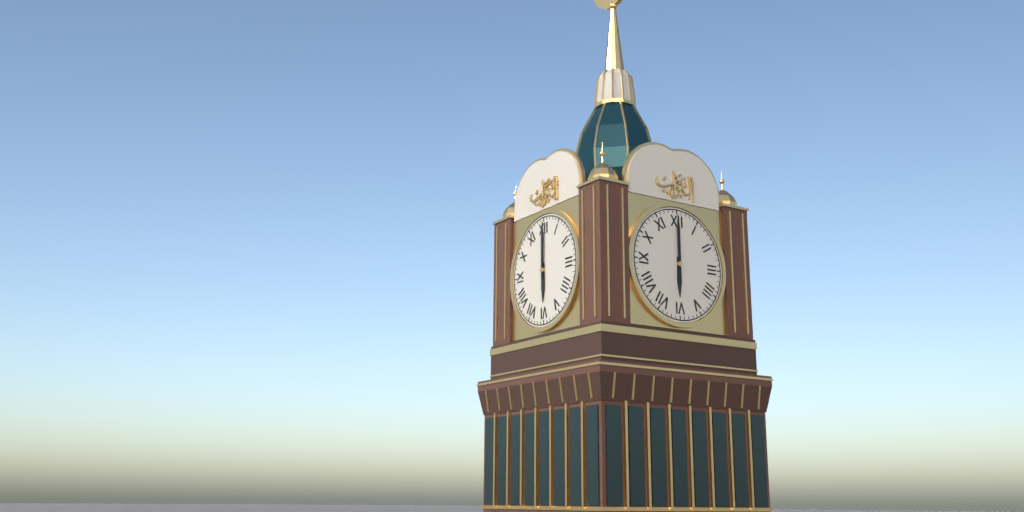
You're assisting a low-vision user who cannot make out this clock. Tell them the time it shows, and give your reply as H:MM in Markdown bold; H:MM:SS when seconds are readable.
**6:00**
